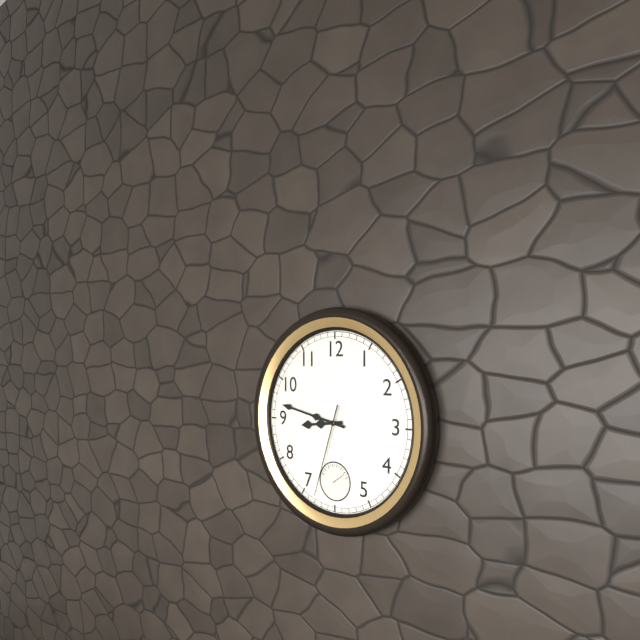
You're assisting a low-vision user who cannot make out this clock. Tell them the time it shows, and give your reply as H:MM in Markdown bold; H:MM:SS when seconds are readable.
**8:47:33**
